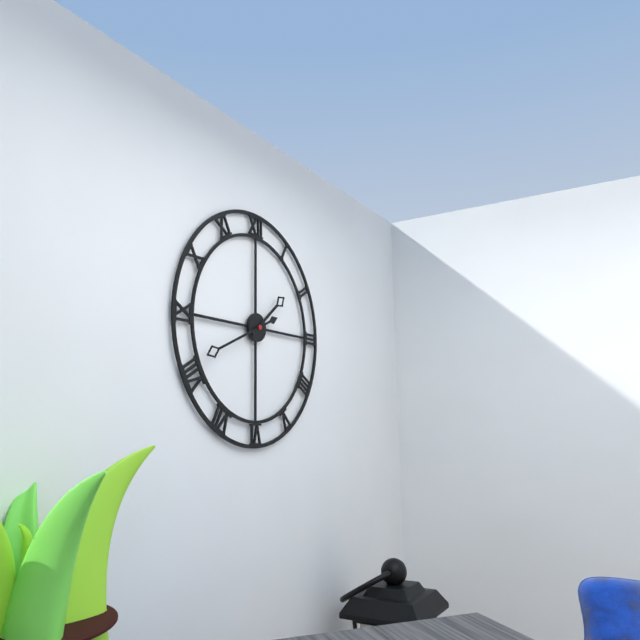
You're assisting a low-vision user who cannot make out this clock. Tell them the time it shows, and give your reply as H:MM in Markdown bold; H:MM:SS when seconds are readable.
**1:41**
